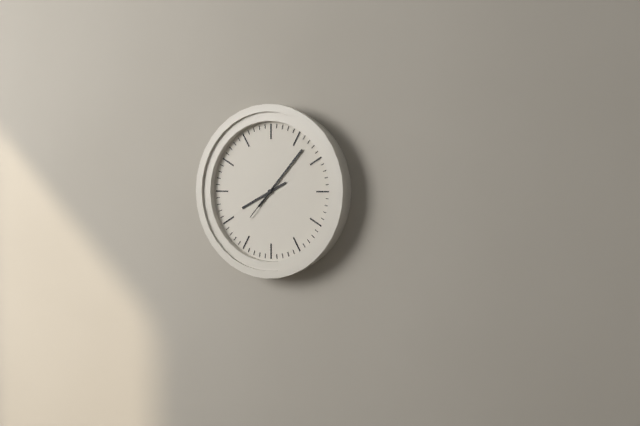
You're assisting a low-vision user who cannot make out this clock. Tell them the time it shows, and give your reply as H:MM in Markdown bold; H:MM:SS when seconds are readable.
**8:07**
